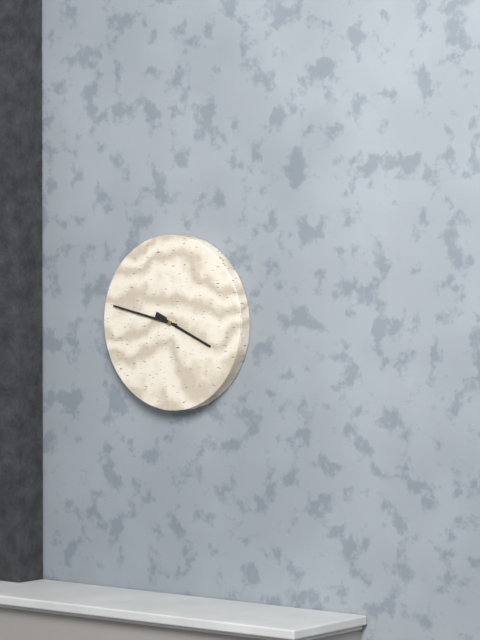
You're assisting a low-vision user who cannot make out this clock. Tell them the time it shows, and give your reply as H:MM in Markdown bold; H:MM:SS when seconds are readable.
**3:47**
